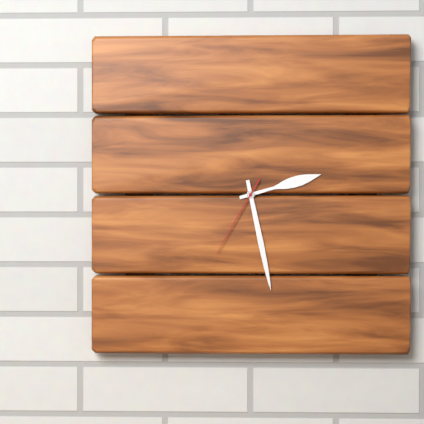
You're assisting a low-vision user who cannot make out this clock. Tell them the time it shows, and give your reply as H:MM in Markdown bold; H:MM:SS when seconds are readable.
**2:28:35**
